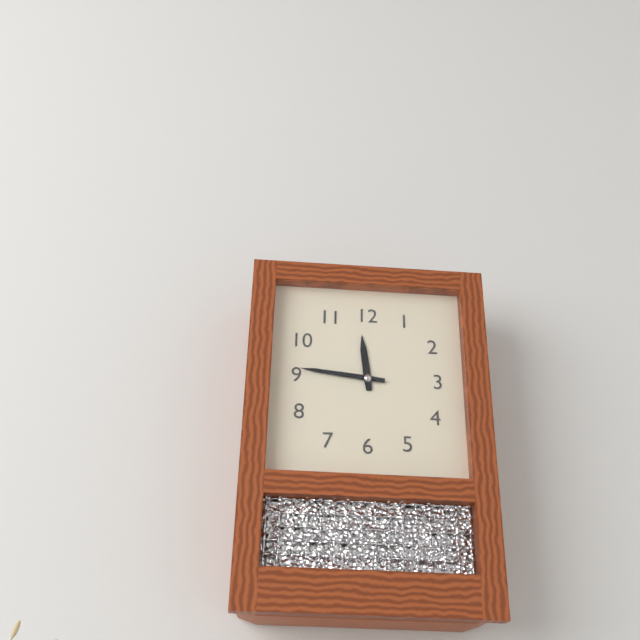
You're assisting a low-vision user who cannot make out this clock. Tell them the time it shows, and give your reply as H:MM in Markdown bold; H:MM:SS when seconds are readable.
**11:46**
